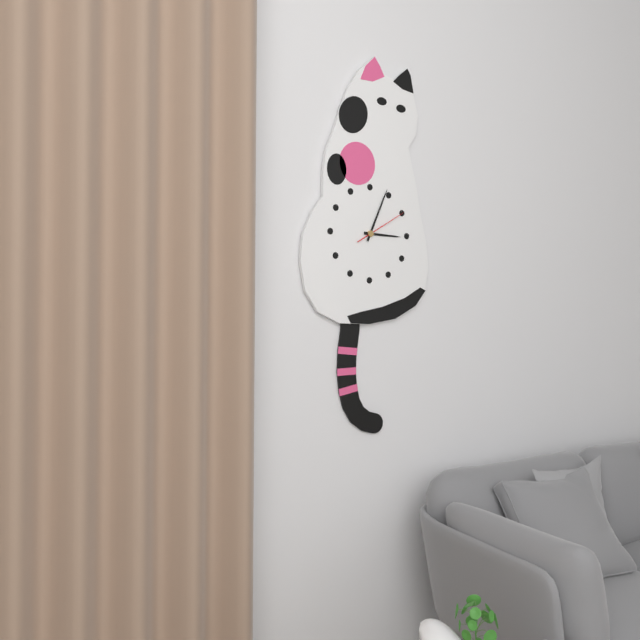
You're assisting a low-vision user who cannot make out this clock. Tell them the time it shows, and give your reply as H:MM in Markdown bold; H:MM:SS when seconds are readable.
**3:04:10**
